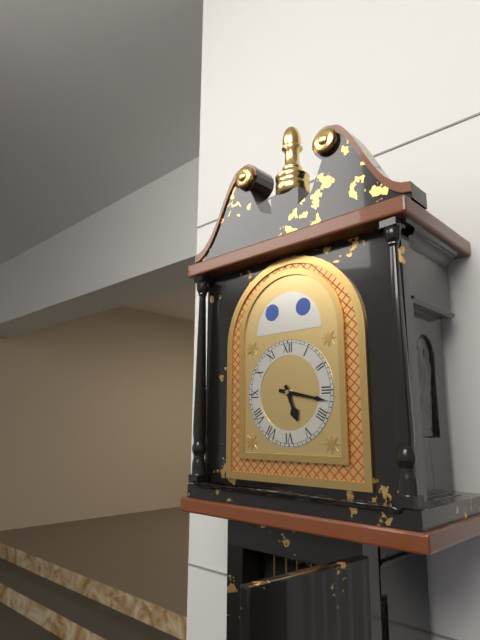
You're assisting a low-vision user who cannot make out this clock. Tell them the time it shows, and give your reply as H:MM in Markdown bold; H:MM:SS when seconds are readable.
**5:17**
